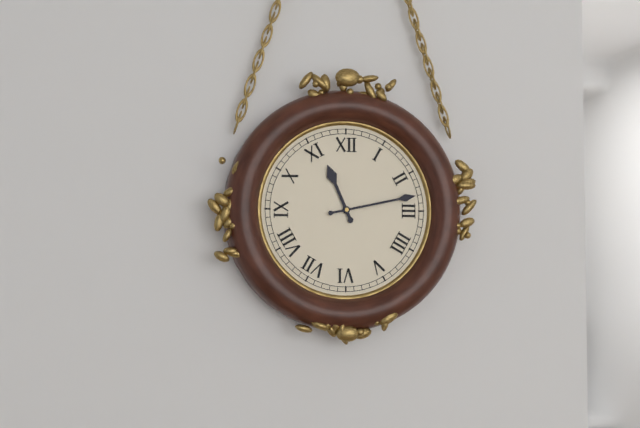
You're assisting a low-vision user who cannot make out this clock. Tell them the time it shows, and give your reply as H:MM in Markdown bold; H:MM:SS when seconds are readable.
**11:13**
